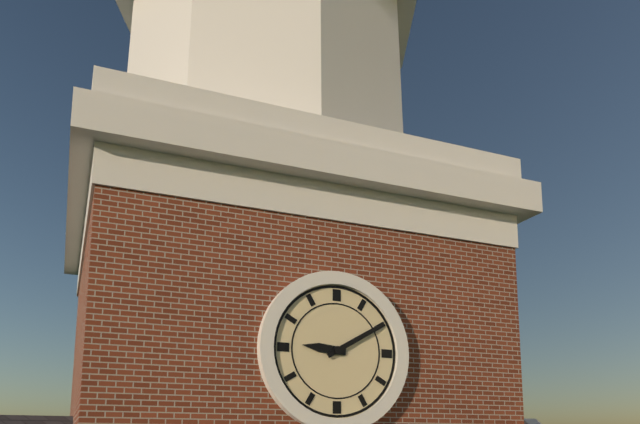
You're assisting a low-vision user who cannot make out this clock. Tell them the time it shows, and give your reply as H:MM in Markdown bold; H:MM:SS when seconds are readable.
**9:10**
